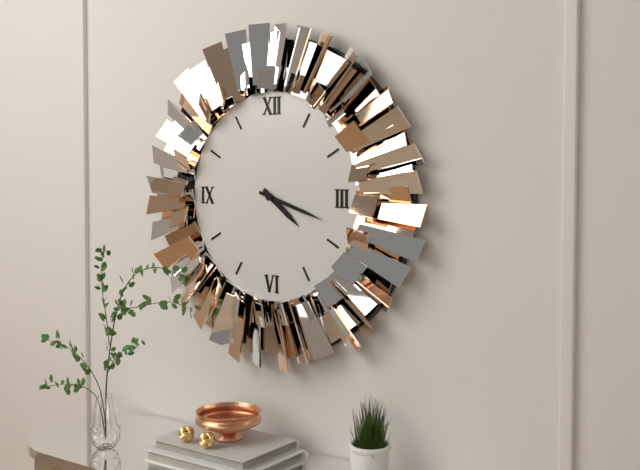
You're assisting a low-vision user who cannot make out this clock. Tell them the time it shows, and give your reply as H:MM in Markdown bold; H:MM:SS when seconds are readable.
**4:18**
